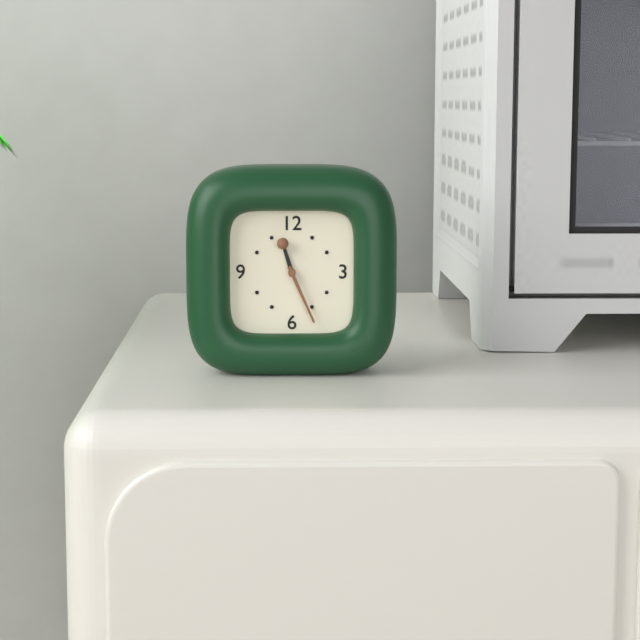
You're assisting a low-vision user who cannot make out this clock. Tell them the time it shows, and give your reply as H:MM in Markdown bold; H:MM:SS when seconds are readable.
**11:26**
